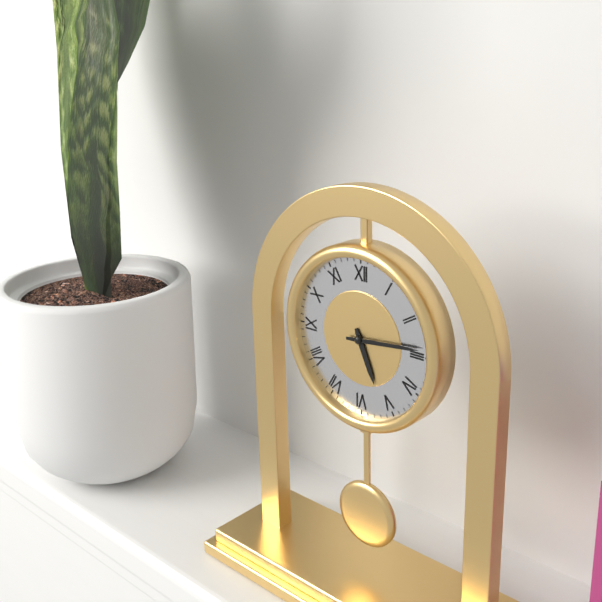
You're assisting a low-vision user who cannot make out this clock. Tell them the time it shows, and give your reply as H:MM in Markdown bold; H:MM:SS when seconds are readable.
**5:14**
